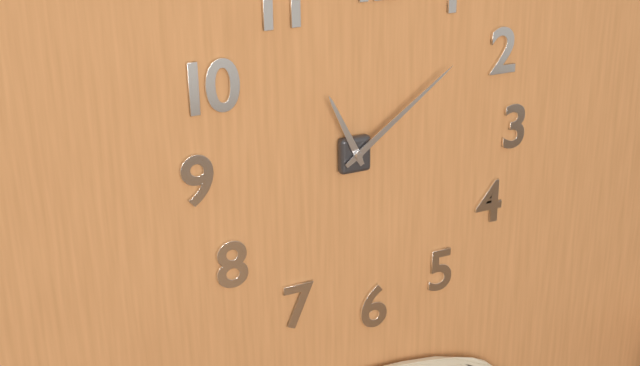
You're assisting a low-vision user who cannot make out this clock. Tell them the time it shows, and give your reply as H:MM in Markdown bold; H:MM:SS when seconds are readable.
**11:09**
